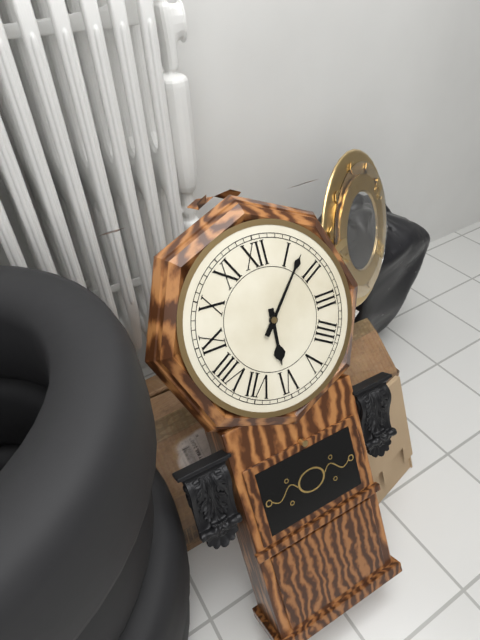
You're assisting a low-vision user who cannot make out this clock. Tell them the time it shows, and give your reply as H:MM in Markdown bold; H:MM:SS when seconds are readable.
**6:07**
